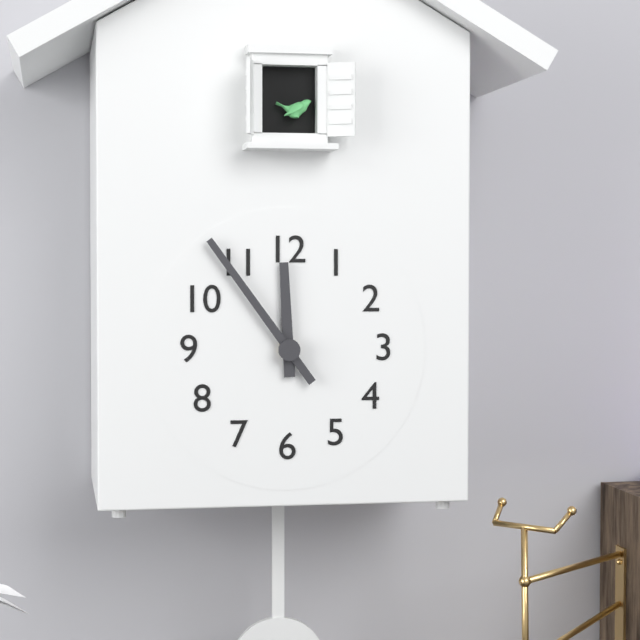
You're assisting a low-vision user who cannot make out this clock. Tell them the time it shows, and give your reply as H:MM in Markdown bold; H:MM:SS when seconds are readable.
**11:54**
